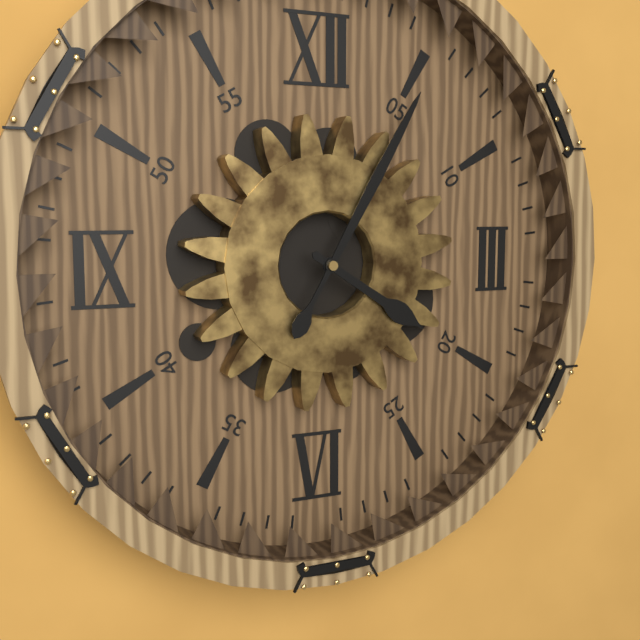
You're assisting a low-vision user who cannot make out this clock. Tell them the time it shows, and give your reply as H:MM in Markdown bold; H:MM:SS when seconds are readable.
**4:05**
